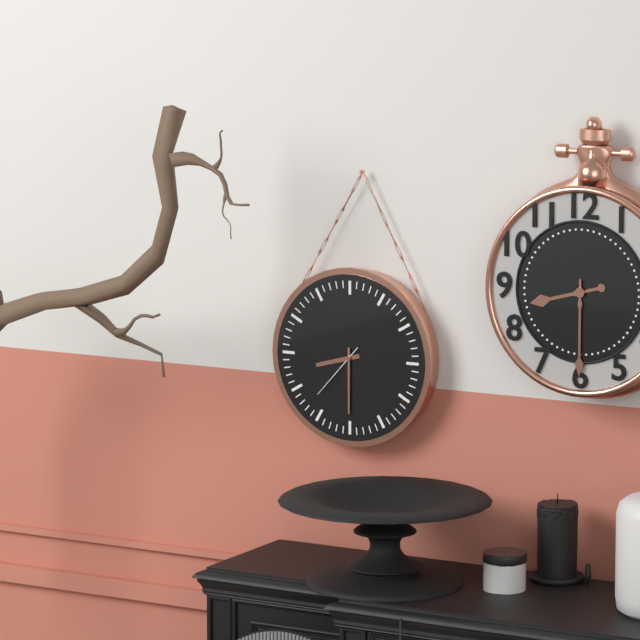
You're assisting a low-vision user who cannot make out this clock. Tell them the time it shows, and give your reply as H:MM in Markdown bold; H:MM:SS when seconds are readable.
**8:30:37**
